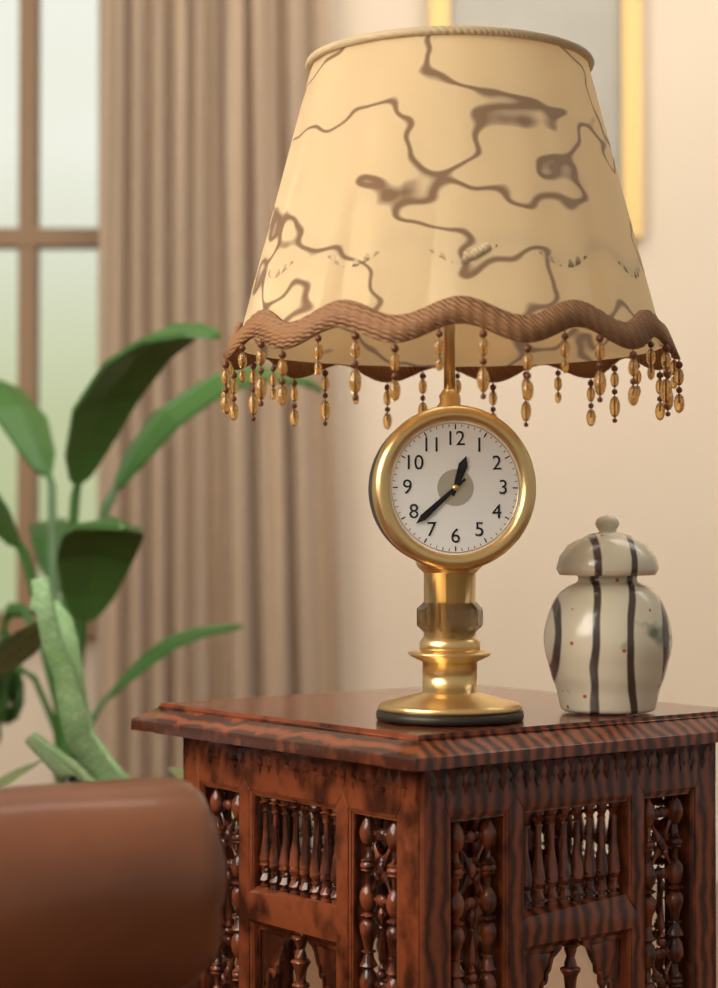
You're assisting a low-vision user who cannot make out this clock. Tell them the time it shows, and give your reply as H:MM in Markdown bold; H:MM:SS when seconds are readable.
**12:38**
